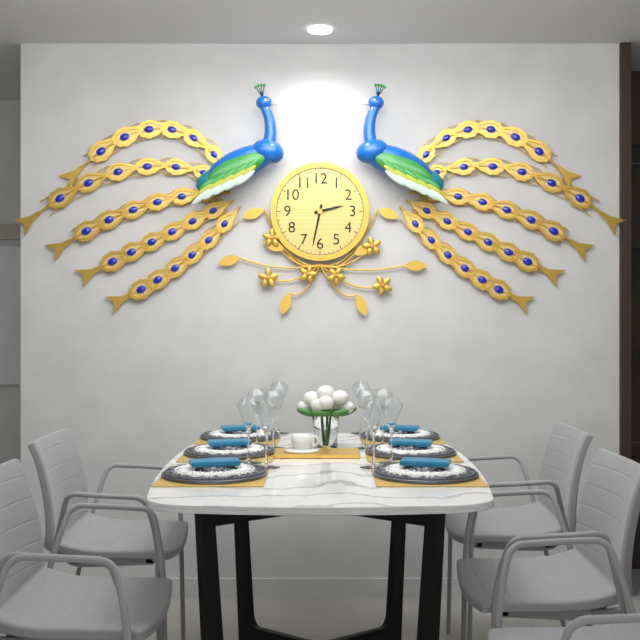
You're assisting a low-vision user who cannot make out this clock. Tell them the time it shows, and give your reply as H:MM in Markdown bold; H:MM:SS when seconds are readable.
**2:32**
